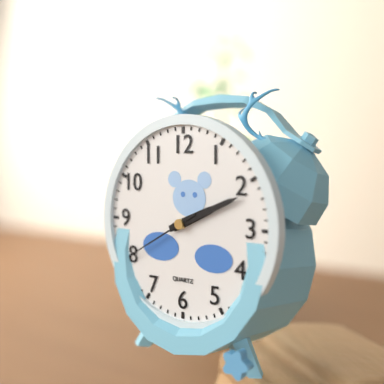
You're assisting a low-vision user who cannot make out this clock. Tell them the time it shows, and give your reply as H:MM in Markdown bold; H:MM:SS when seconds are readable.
**2:11:40**
